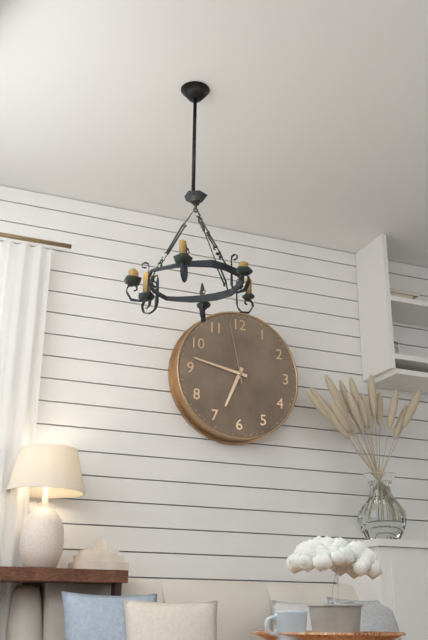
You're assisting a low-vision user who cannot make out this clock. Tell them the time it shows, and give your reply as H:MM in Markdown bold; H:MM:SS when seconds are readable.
**6:47:58**
